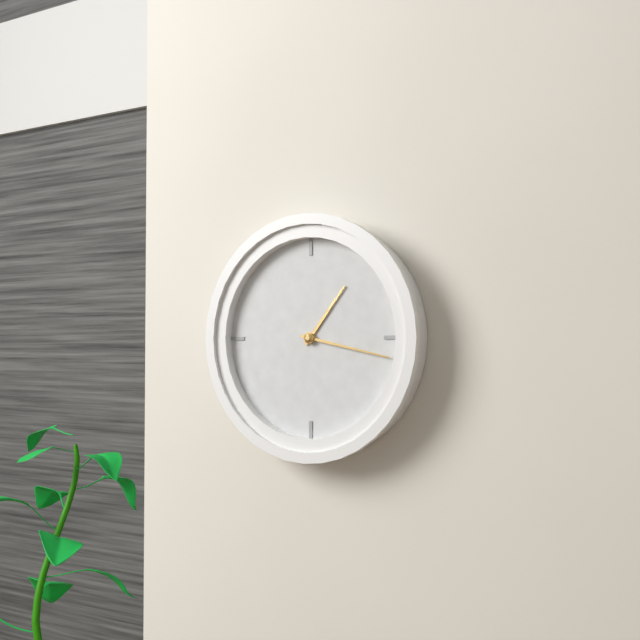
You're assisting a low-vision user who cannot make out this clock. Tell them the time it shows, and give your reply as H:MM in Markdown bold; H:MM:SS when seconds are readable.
**1:17**
